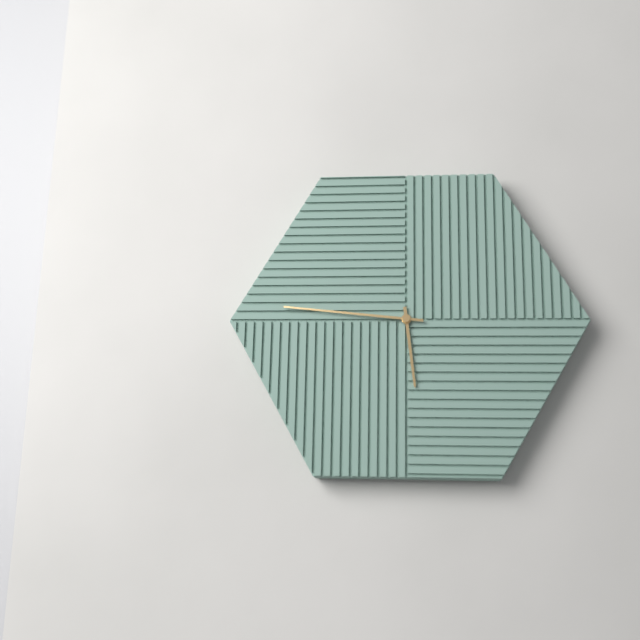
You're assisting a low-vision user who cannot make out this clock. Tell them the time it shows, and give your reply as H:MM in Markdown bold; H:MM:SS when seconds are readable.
**5:46**
